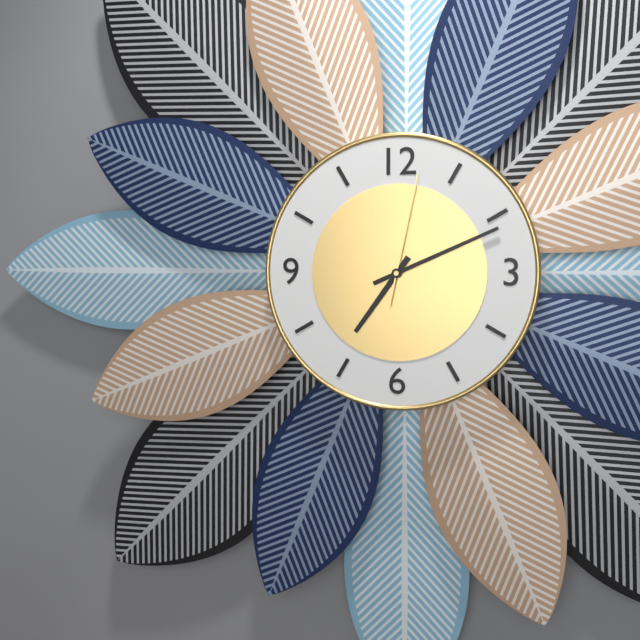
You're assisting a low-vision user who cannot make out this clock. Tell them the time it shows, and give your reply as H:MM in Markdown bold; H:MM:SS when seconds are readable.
**7:11:02**
